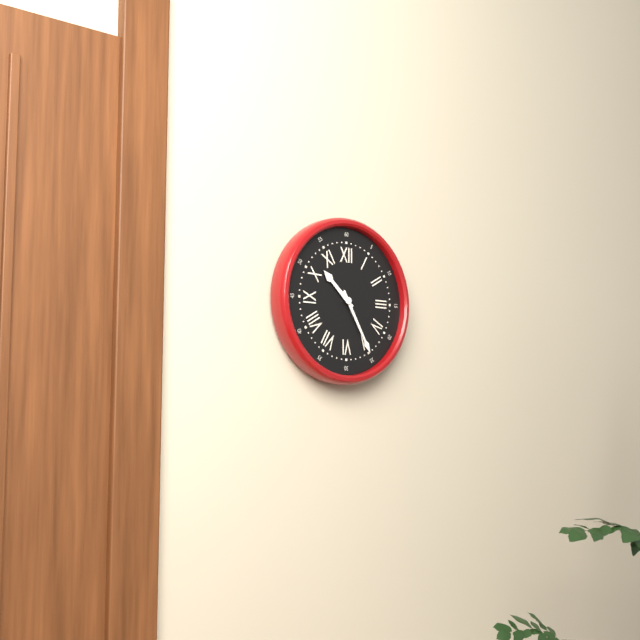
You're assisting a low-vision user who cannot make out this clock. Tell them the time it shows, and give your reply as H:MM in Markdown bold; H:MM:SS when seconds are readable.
**10:25**
